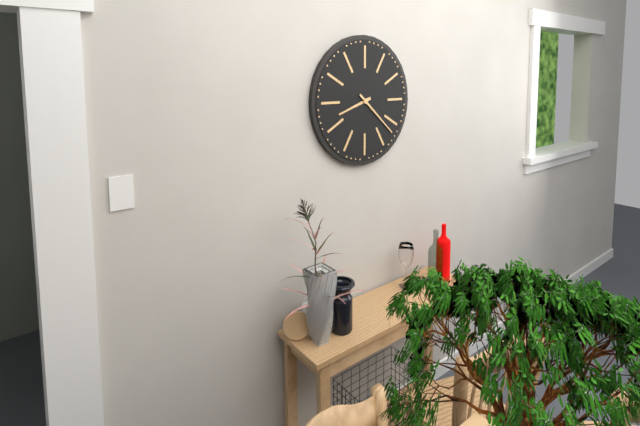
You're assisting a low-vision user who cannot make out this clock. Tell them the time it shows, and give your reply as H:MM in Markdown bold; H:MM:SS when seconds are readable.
**8:22**
